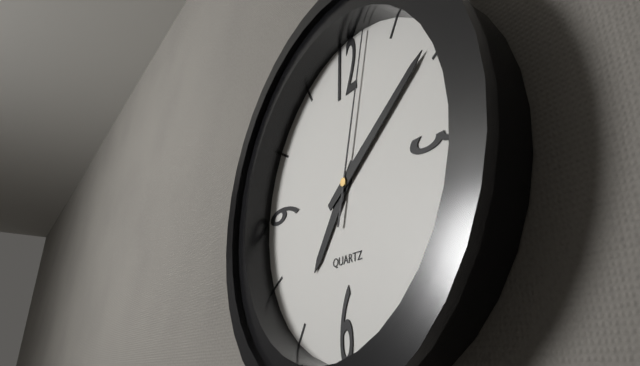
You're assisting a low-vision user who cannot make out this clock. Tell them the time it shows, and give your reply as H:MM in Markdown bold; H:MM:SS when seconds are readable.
**7:09:02**
